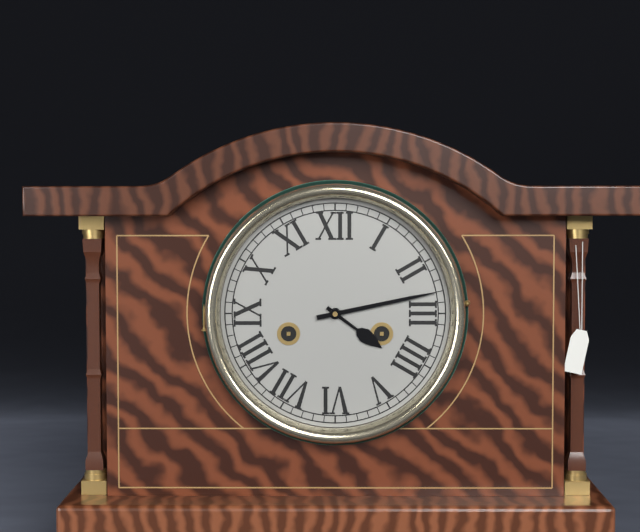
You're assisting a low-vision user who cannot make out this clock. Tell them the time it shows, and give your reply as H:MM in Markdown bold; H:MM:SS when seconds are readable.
**4:13**
